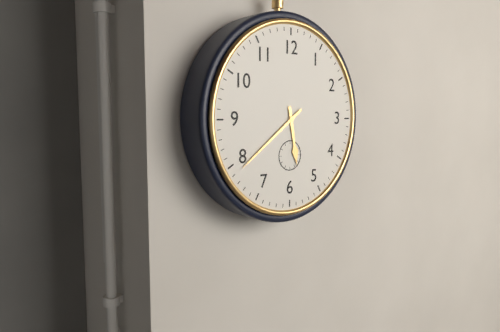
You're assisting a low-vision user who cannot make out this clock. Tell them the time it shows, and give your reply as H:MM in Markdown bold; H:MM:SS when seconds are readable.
**5:39**
